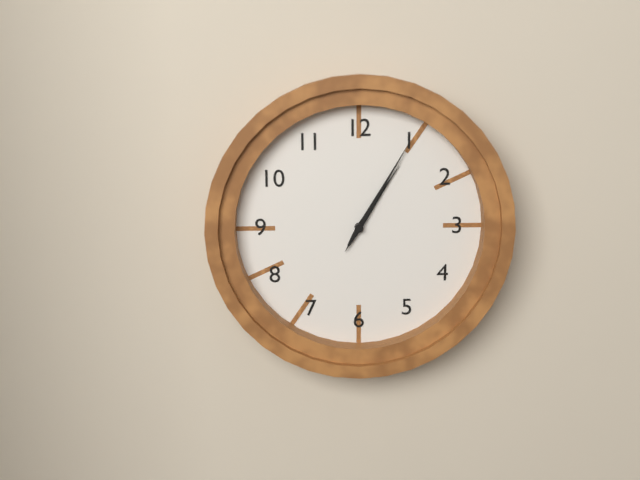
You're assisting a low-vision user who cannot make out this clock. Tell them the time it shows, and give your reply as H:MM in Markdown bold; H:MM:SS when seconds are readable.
**1:05**
